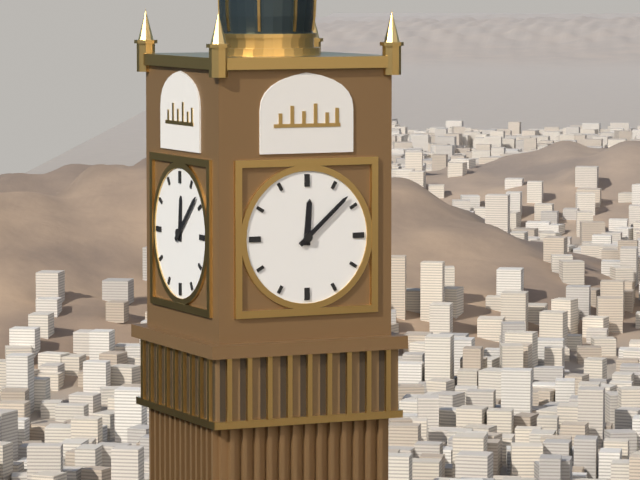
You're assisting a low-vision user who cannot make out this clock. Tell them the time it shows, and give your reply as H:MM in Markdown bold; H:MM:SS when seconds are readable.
**12:08**
